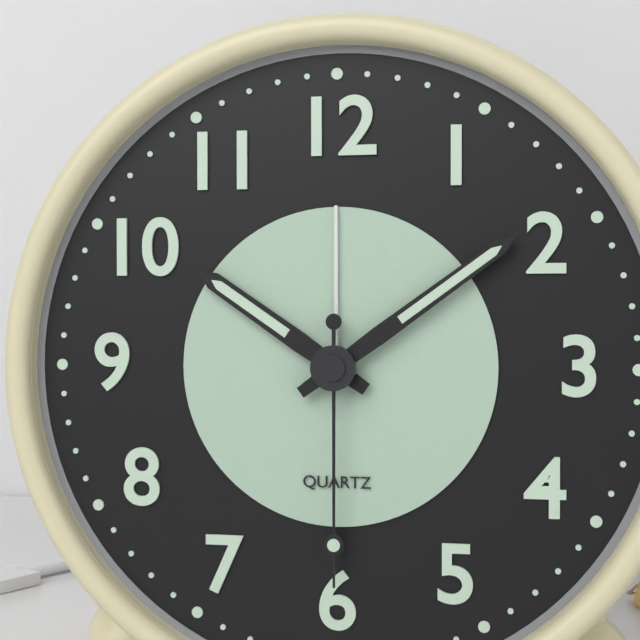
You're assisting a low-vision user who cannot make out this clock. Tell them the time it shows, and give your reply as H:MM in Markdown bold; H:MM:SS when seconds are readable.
**10:09:30**
